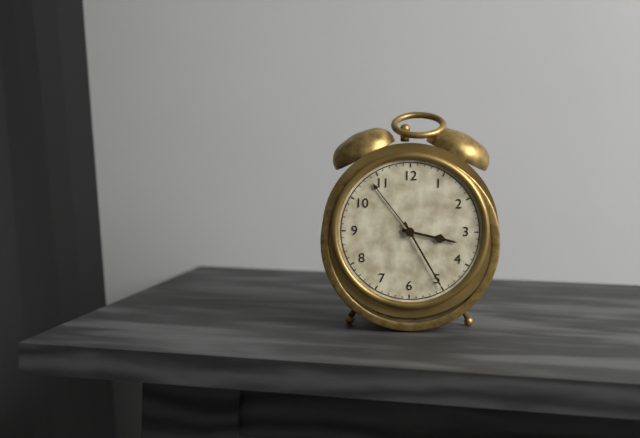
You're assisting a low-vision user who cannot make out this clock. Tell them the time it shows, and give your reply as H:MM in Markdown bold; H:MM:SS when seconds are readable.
**3:25**
